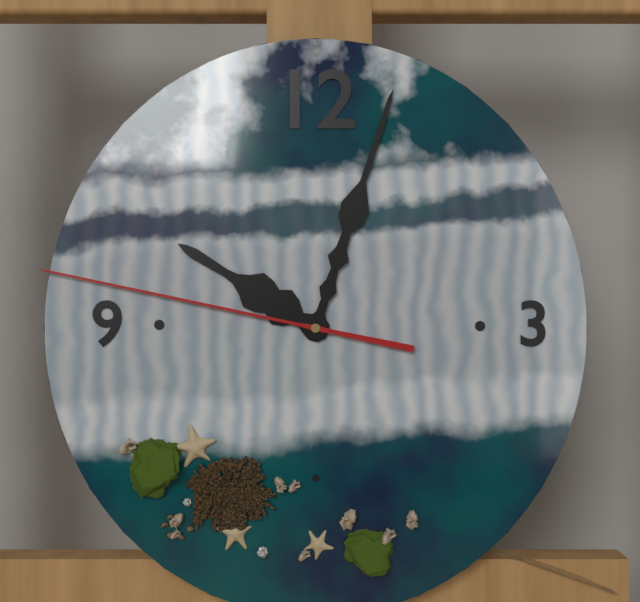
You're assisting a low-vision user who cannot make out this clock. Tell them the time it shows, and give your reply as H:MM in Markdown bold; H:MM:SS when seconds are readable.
**10:03:47**
